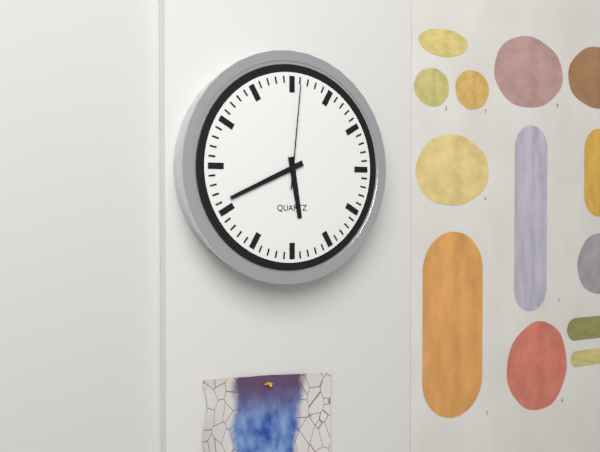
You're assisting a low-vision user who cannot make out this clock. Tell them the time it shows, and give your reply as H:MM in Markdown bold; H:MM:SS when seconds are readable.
**5:41:01**
